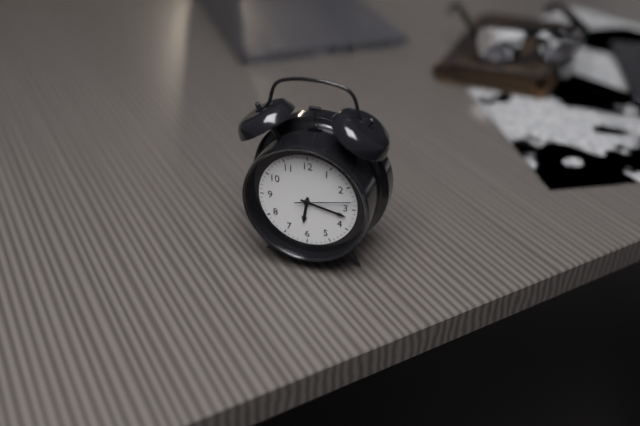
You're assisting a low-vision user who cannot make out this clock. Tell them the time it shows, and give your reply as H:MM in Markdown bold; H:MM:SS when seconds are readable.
**6:17:13**
